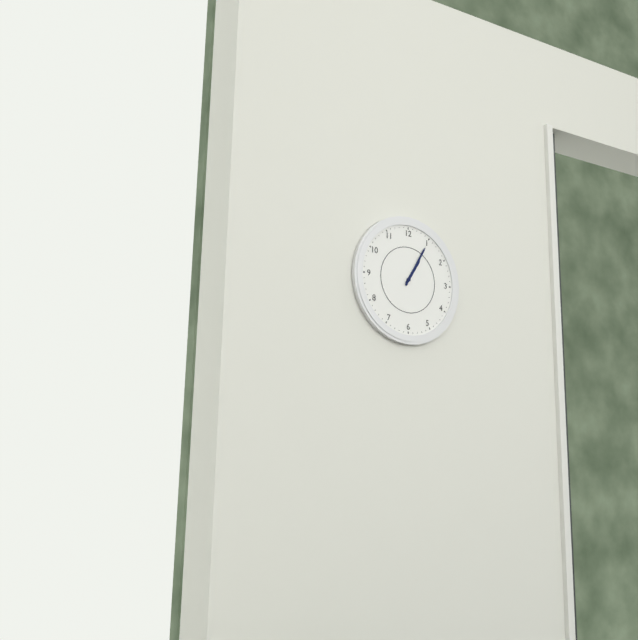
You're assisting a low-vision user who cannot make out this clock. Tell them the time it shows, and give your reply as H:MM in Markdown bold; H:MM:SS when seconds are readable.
**1:05**
